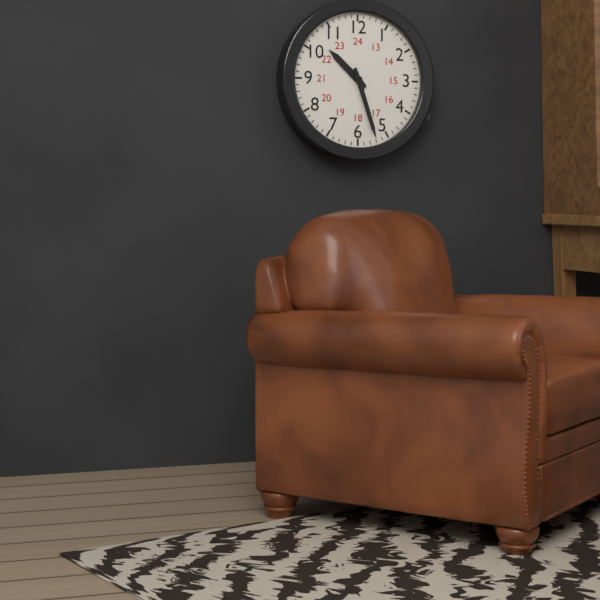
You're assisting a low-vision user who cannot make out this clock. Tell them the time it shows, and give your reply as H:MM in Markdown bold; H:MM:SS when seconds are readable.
**10:27**
